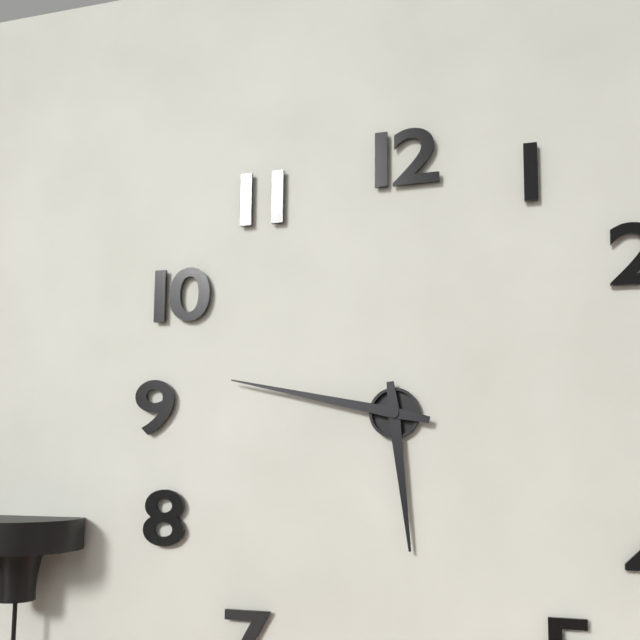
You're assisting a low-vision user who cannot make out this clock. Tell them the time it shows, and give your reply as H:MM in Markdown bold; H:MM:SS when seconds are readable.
**5:47**
